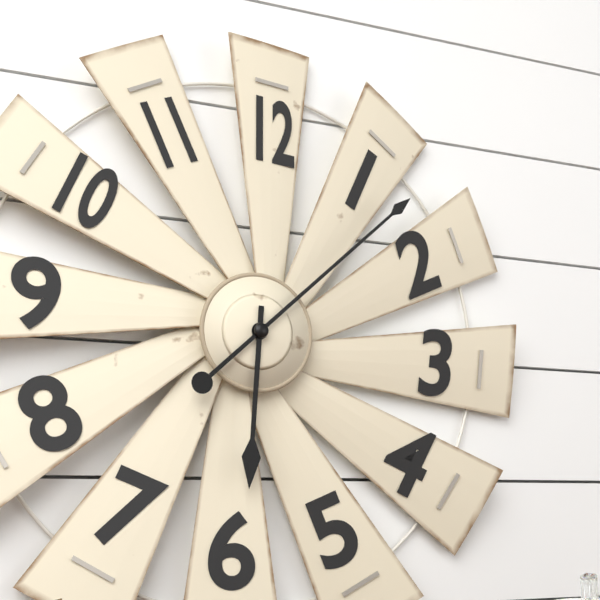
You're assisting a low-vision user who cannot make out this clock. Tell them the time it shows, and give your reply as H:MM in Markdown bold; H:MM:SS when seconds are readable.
**6:08**
